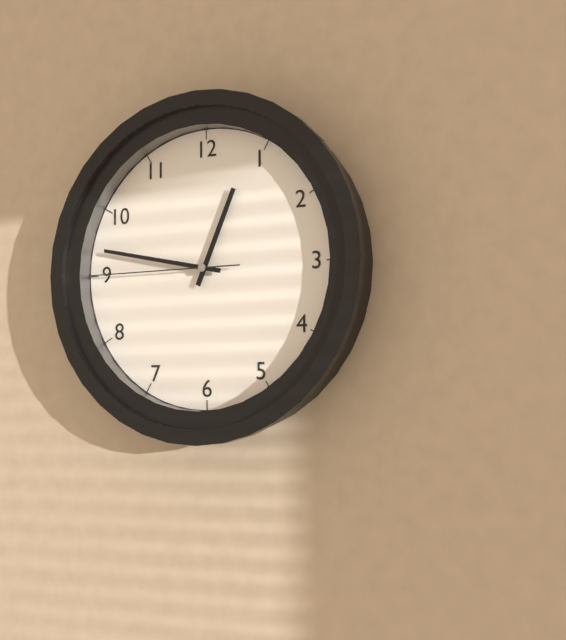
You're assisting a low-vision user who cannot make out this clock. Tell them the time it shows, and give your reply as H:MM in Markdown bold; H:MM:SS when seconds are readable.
**12:47:45**
